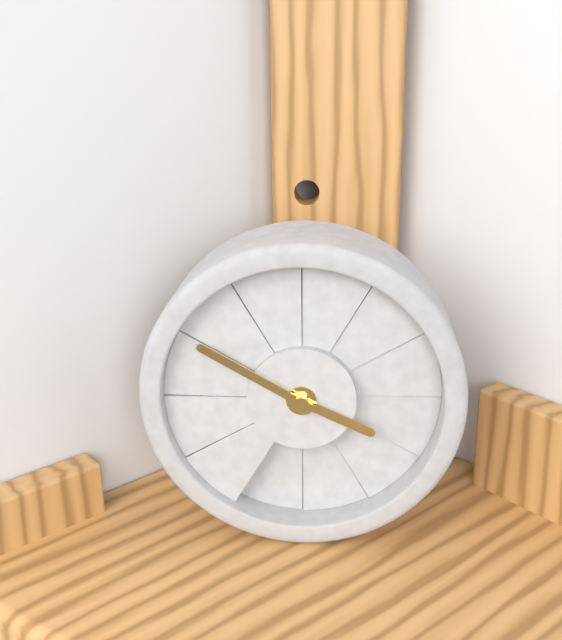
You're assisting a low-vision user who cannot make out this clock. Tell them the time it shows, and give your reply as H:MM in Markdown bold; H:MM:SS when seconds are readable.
**3:50**
